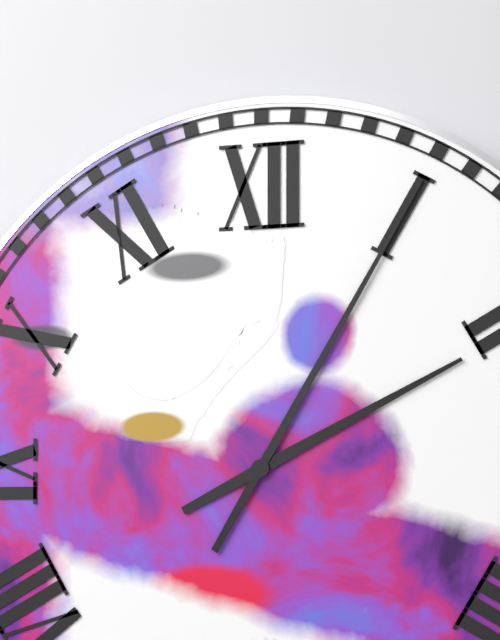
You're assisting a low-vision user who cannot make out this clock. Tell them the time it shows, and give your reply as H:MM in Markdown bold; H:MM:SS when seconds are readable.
**2:05**
